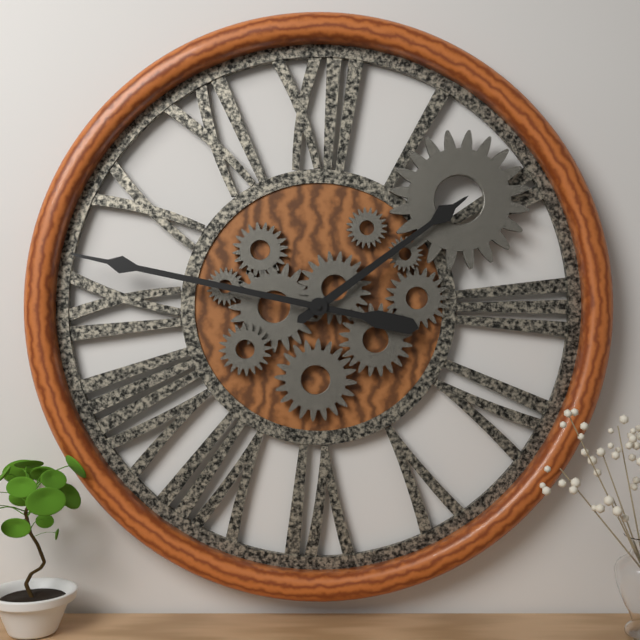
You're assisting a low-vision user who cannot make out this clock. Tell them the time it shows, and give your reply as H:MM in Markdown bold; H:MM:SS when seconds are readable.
**1:47**
